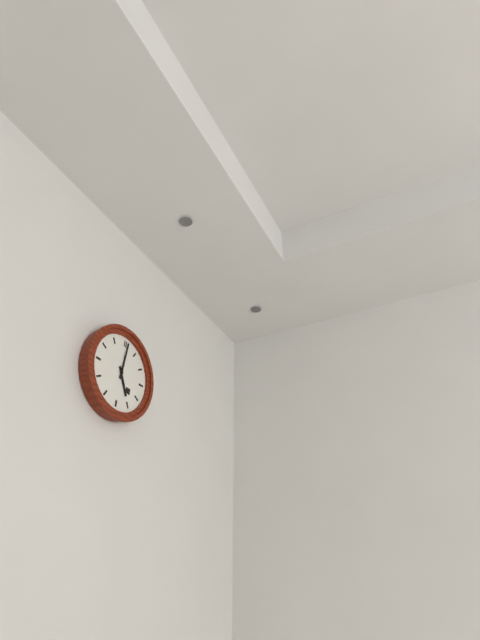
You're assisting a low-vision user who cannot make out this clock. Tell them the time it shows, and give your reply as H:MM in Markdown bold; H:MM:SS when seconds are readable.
**5:01**
